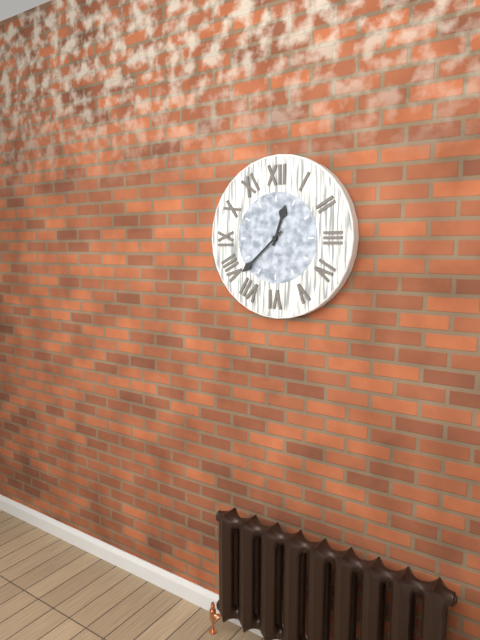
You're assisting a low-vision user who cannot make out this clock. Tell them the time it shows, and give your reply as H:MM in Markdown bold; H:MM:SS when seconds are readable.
**12:38**
